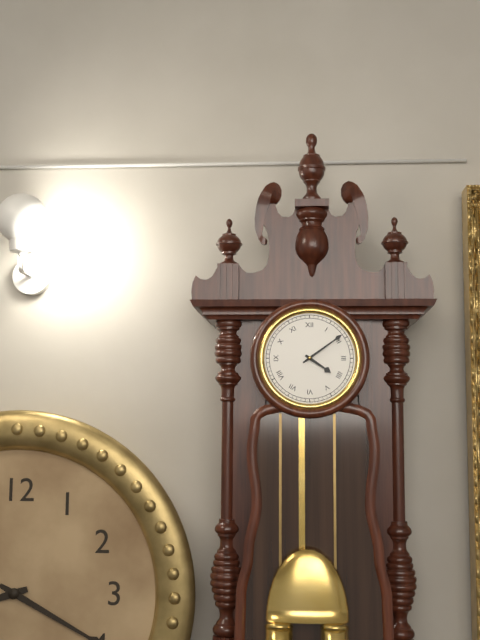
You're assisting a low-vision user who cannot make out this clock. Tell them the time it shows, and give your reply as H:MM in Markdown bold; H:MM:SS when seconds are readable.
**4:09**
